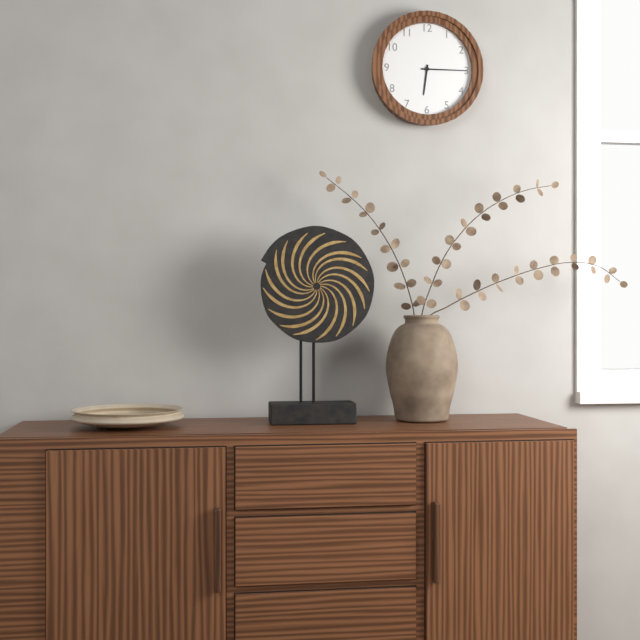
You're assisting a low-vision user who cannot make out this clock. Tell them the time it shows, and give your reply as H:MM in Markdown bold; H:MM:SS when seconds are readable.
**6:15**
